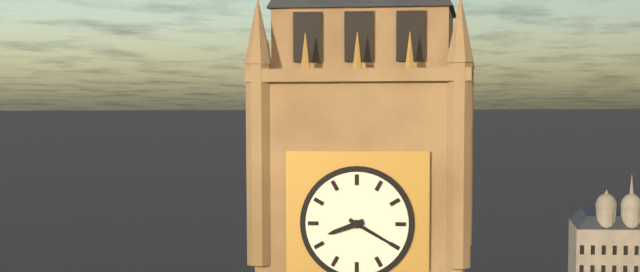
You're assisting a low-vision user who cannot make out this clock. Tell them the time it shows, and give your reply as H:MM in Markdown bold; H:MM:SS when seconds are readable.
**8:20**
